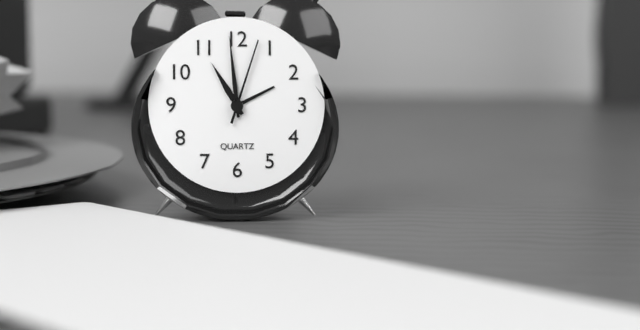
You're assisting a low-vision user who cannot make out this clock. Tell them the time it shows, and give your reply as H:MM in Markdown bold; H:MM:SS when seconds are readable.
**10:59:03**
